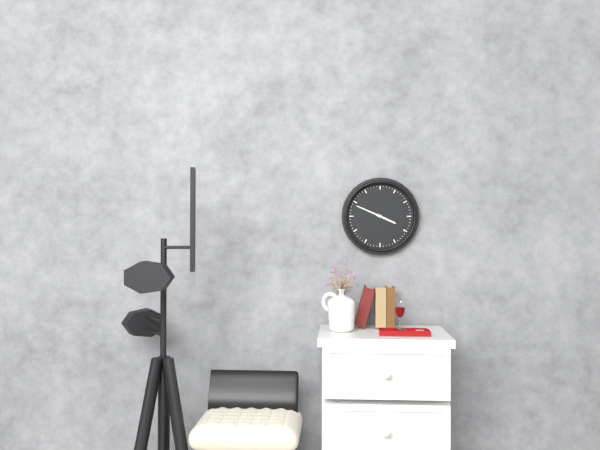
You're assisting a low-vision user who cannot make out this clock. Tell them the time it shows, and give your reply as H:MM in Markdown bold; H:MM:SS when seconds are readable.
**3:49**
